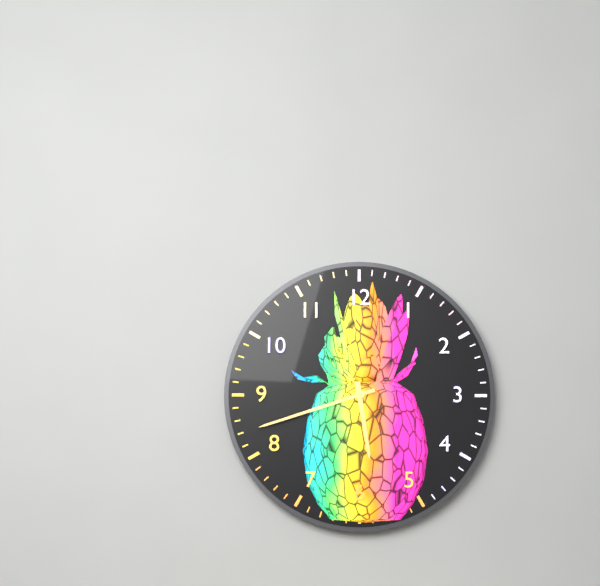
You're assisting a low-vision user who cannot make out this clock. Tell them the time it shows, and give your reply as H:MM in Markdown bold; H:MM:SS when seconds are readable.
**5:42**
